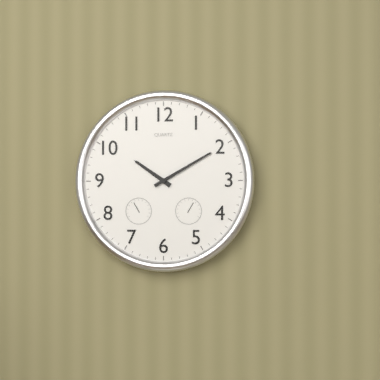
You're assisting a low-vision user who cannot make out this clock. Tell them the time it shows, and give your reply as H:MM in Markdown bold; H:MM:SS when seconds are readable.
**10:10**
